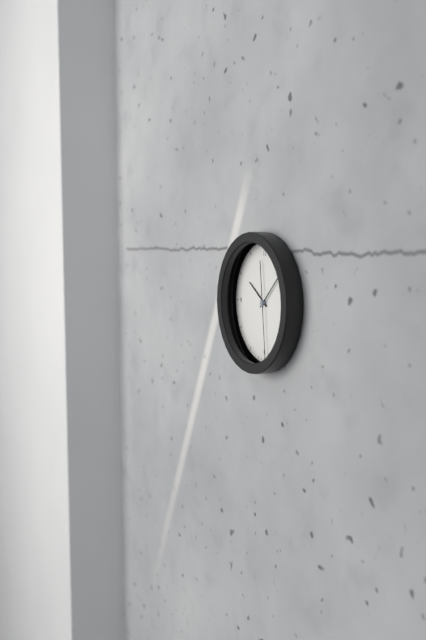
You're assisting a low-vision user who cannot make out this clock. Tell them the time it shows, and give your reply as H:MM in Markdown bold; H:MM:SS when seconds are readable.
**10:08:29**
